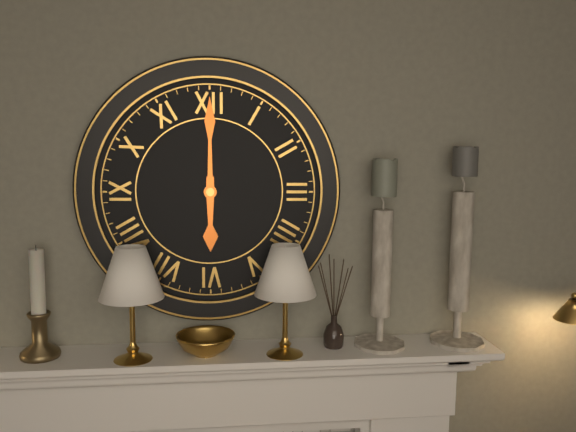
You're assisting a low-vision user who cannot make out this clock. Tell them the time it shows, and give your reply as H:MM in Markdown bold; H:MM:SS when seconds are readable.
**6:00**
